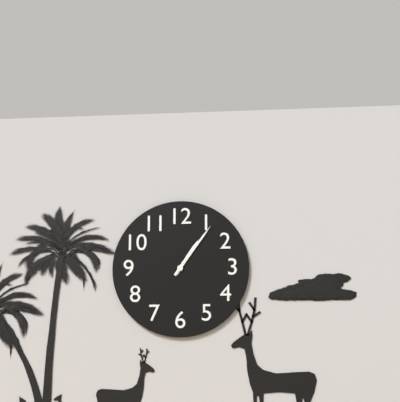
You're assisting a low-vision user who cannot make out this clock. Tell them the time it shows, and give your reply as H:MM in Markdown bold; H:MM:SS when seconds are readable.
**1:06**
